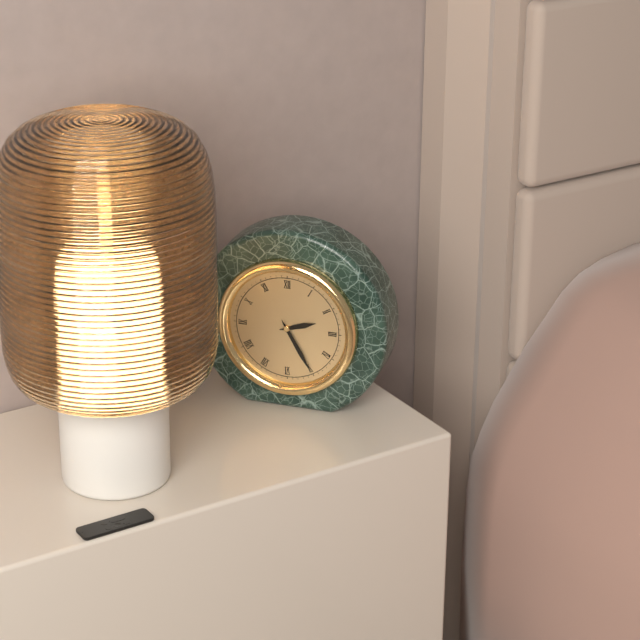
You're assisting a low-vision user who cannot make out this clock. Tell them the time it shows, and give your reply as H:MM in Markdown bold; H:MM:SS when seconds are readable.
**2:25**
